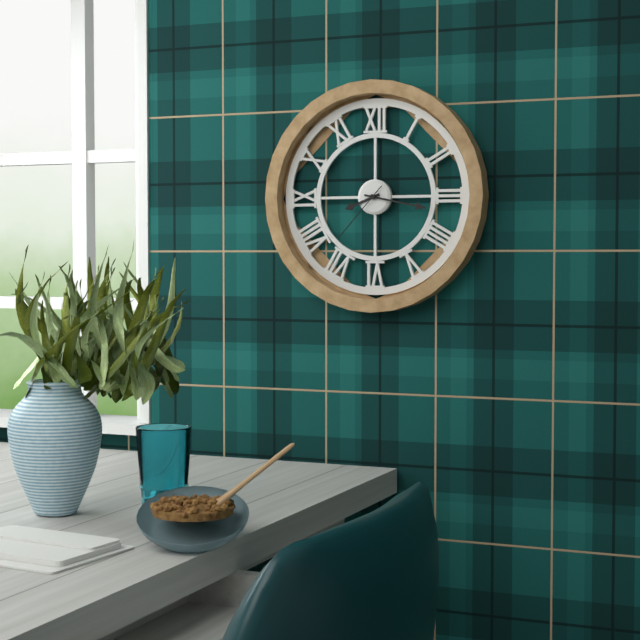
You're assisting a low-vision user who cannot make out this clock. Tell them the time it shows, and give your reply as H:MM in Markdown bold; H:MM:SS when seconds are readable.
**8:17:37**
